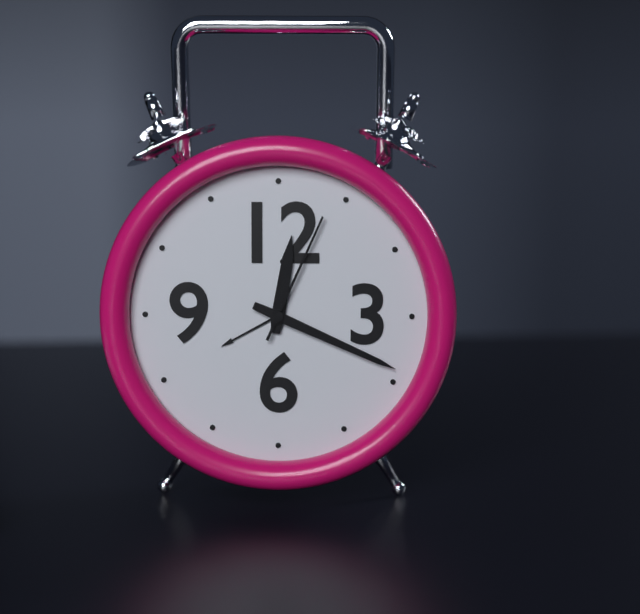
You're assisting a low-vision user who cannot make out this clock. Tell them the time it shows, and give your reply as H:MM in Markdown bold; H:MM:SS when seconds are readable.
**12:19:04**
